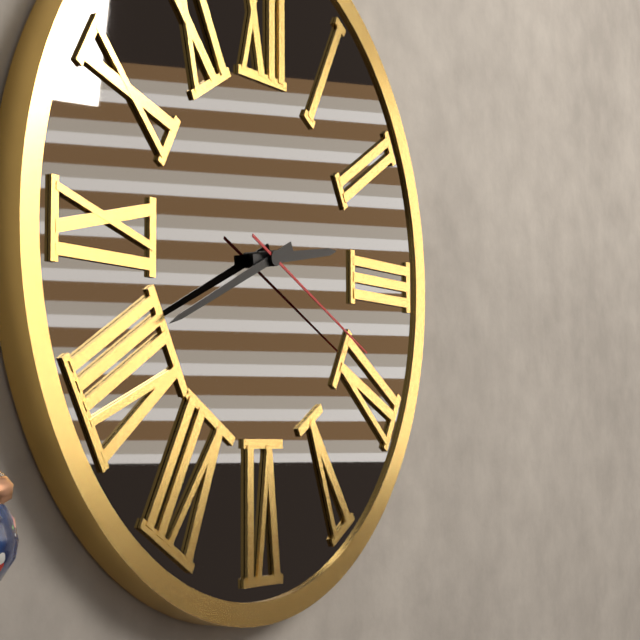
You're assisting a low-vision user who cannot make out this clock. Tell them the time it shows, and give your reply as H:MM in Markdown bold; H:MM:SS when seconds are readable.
**2:41:19**
